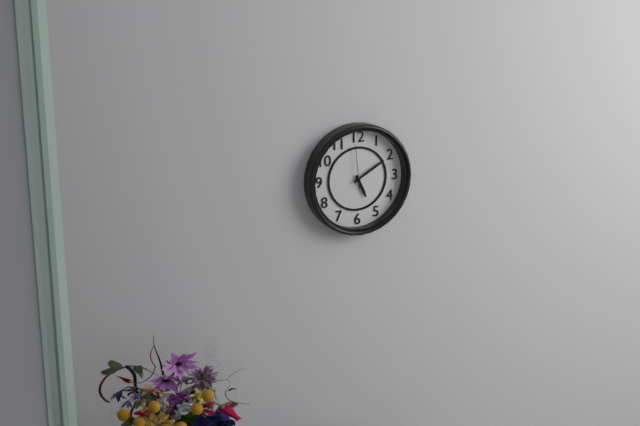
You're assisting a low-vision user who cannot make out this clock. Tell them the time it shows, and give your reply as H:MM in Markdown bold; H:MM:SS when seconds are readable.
**5:10**
